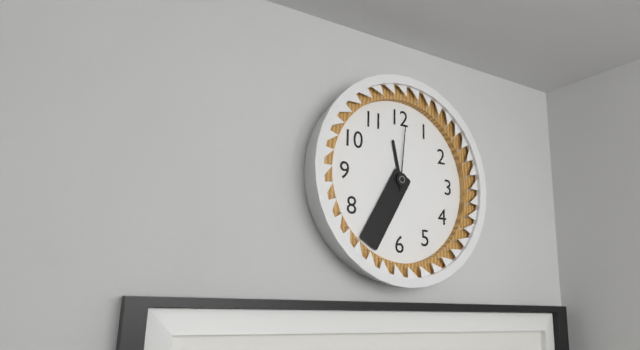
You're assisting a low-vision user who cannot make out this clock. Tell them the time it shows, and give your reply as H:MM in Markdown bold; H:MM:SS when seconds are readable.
**11:35:01**
